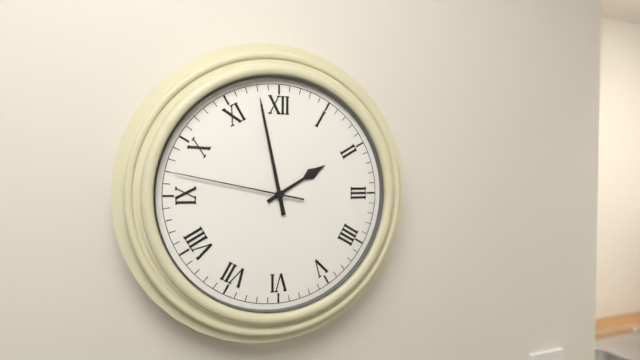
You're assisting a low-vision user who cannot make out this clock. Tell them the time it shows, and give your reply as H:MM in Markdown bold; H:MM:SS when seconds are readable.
**1:58:47**
